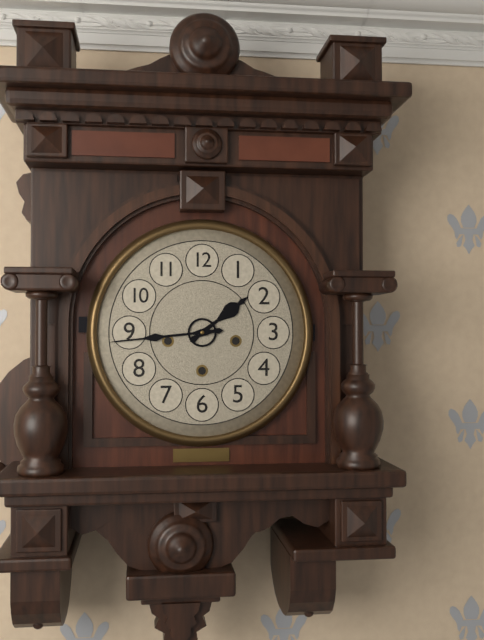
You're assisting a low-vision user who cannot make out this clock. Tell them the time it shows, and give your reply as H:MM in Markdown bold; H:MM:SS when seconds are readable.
**1:44**
